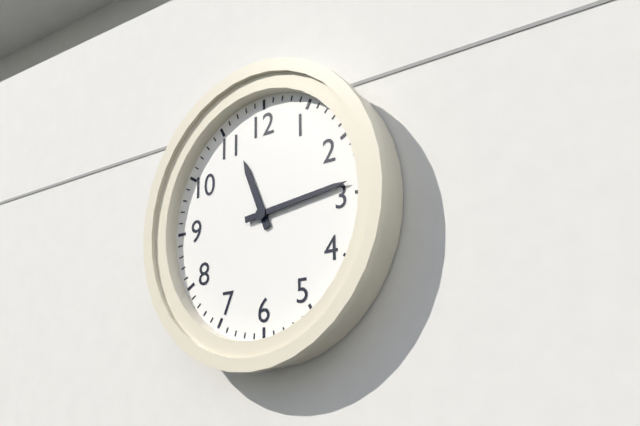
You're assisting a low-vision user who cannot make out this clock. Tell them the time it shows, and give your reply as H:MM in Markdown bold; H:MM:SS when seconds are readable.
**11:14**
